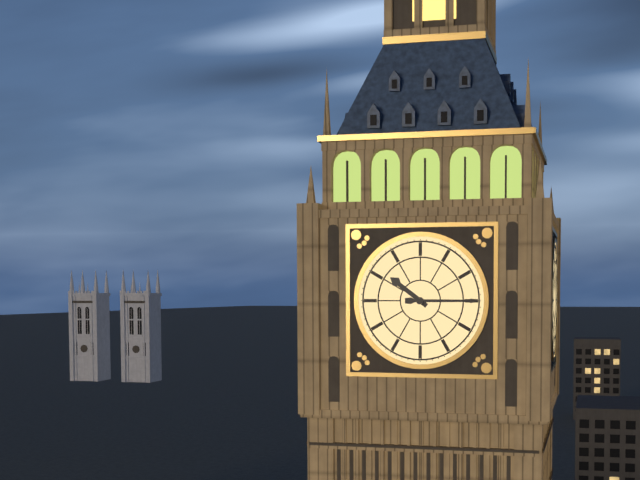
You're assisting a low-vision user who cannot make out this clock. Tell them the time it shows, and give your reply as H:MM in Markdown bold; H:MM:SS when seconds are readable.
**10:15**
